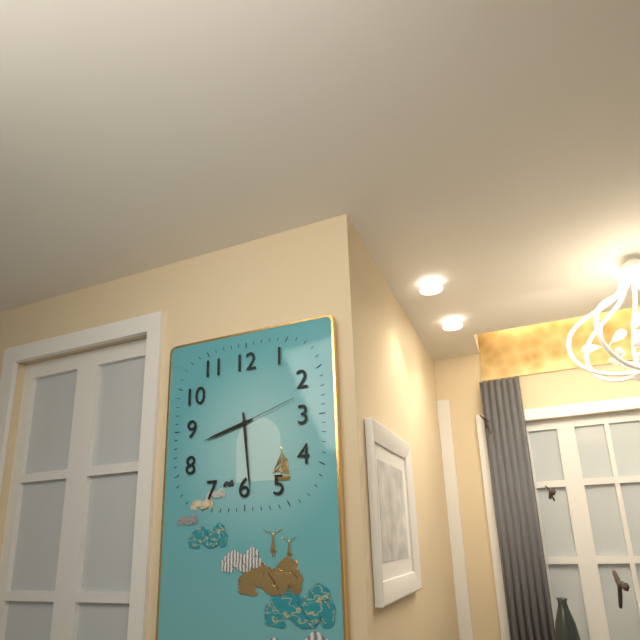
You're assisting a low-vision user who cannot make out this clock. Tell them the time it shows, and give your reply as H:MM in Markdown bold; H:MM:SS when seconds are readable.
**8:29:12**
